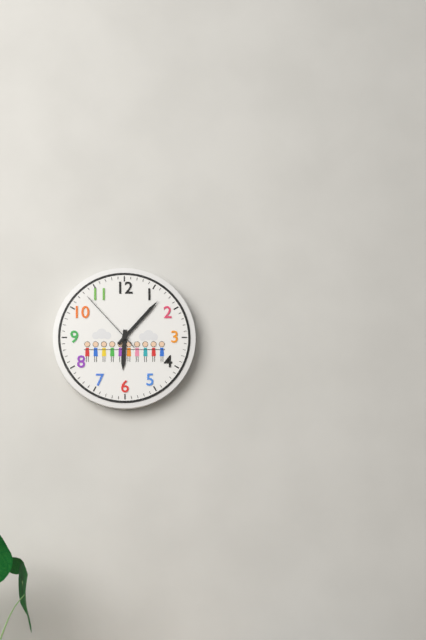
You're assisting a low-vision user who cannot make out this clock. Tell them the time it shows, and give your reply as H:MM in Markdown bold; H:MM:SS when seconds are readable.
**6:07:53**
